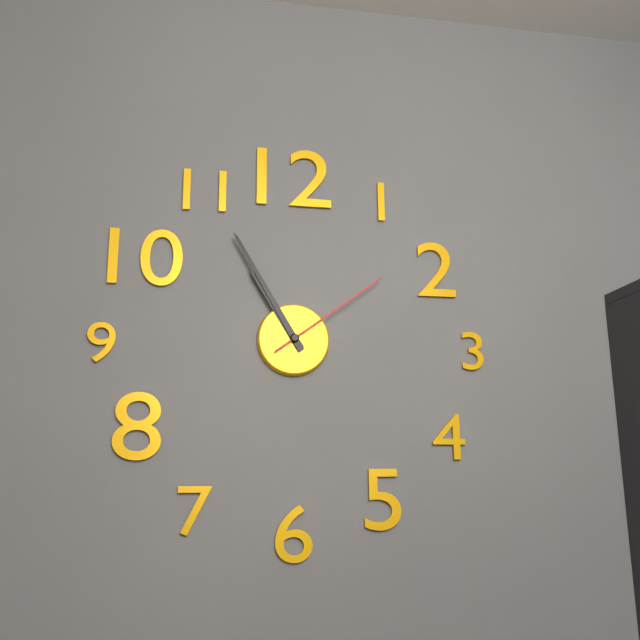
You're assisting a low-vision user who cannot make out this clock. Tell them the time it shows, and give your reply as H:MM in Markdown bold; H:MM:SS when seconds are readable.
**10:55:09**
